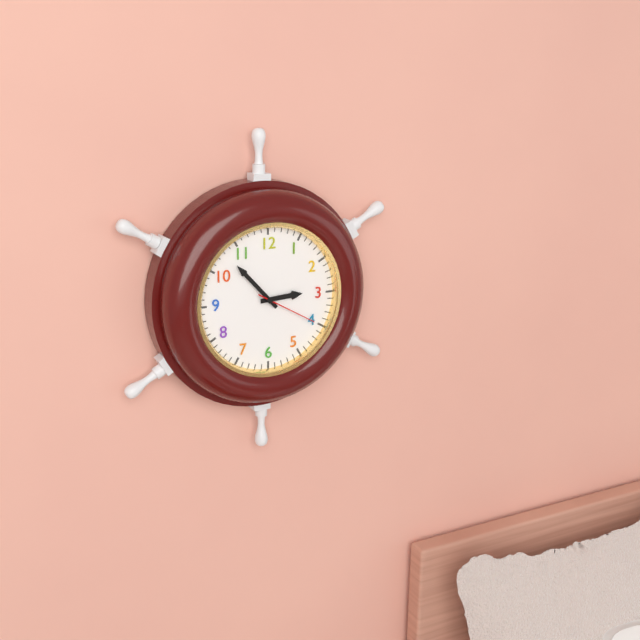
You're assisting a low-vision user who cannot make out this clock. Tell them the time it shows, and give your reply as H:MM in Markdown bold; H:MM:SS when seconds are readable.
**2:53:20**
